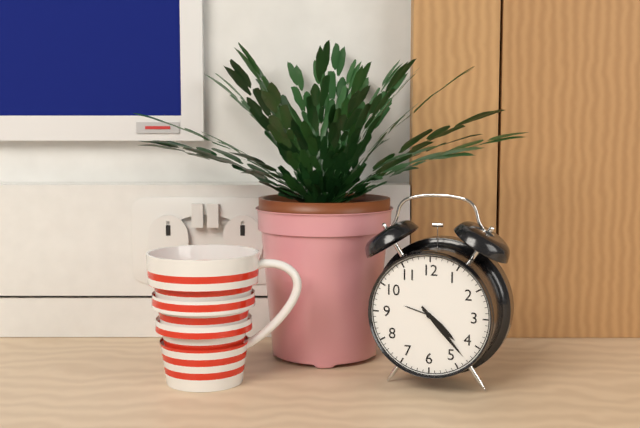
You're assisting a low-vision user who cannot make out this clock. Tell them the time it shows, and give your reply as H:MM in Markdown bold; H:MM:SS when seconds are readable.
**4:23**
